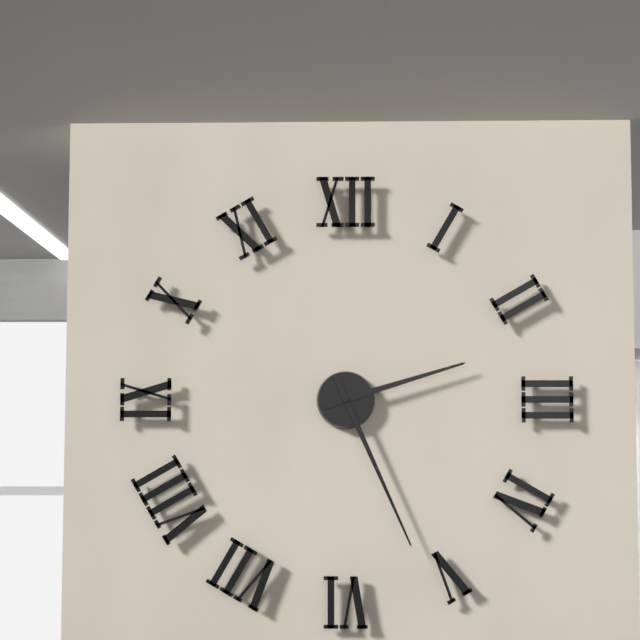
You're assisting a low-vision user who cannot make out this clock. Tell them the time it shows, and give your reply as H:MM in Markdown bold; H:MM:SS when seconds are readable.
**2:26**
